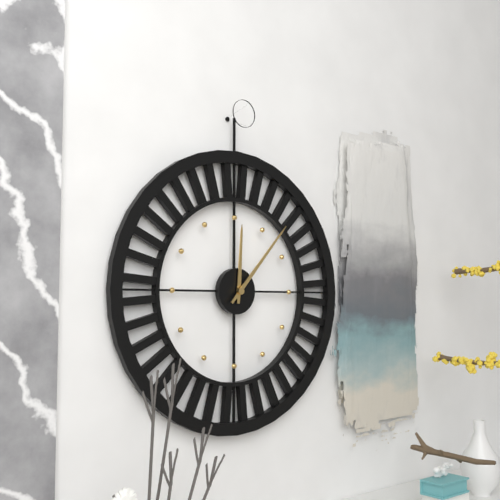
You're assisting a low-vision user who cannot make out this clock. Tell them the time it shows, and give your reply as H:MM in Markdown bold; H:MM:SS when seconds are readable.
**12:07**
